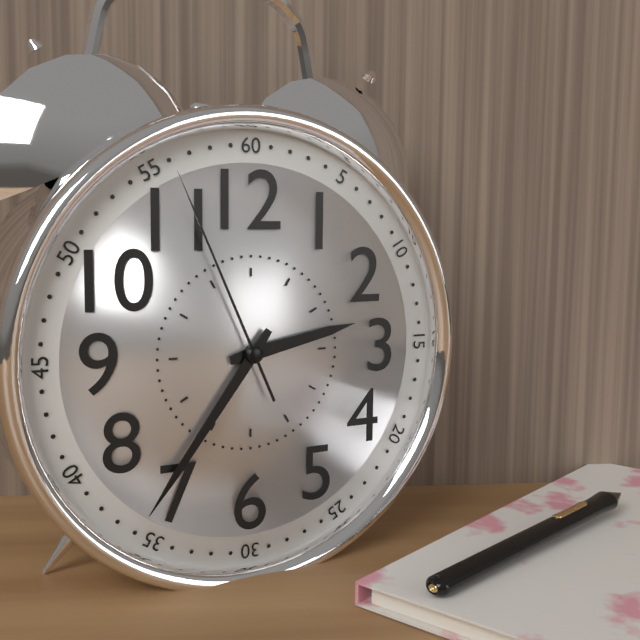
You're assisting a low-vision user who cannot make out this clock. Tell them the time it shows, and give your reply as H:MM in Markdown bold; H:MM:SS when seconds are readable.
**2:36:56**
